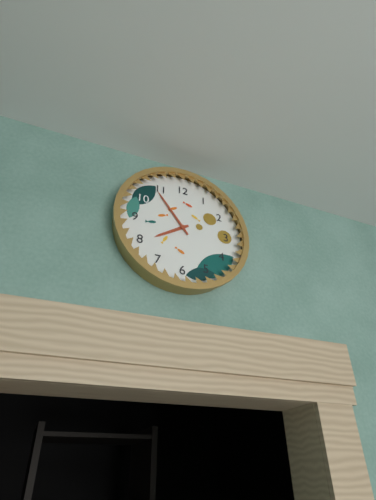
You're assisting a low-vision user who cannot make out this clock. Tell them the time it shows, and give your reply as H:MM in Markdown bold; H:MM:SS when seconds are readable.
**7:54**
